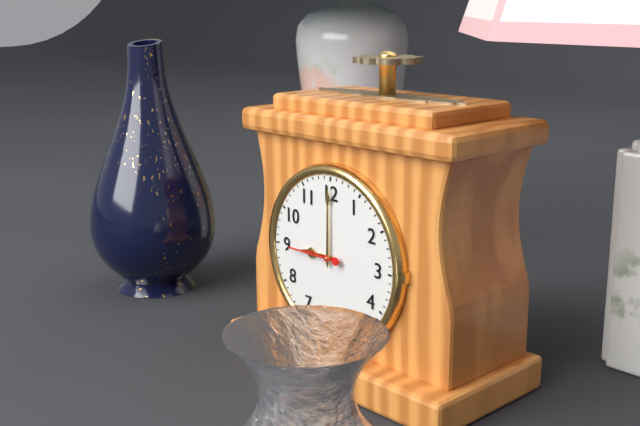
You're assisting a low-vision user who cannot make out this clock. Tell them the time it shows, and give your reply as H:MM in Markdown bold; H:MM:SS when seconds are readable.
**9:00:45**
